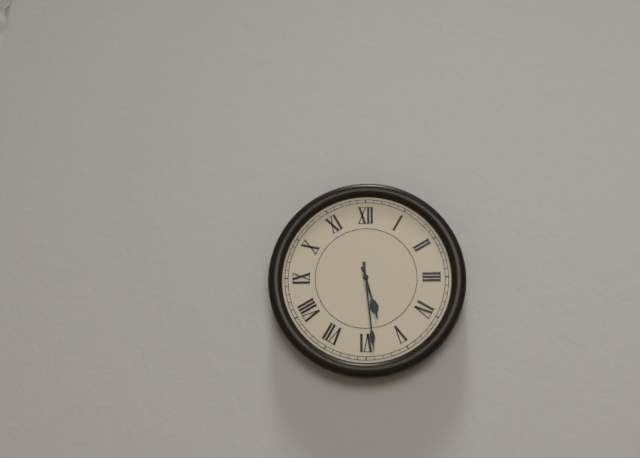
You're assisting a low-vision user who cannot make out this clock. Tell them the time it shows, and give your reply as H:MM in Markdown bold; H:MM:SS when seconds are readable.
**5:29**
